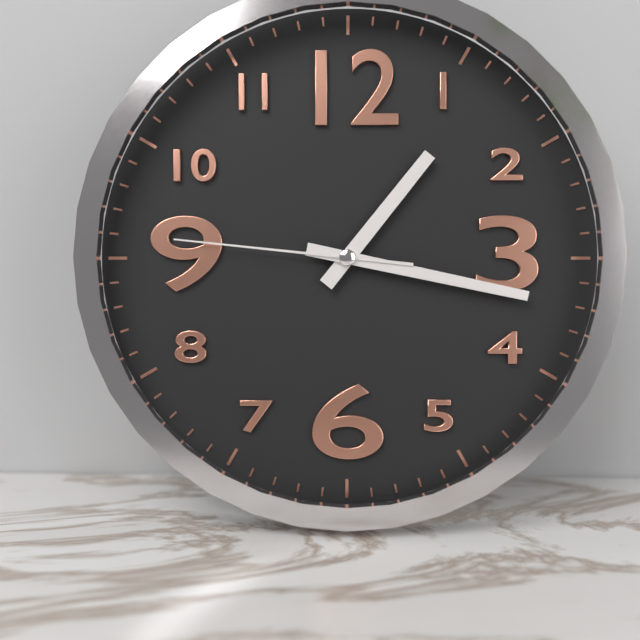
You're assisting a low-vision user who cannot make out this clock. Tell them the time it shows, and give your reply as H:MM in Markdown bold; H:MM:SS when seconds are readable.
**1:17:46**
